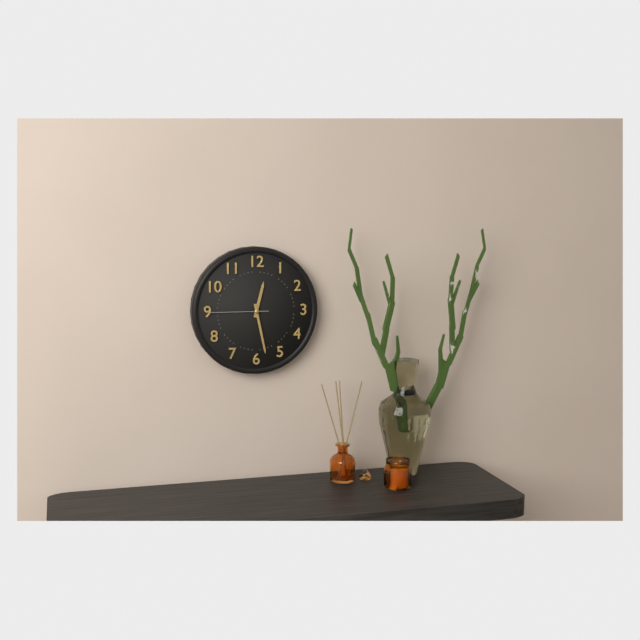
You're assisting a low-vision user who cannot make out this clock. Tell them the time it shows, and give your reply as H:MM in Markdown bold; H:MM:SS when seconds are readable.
**12:28:45**
